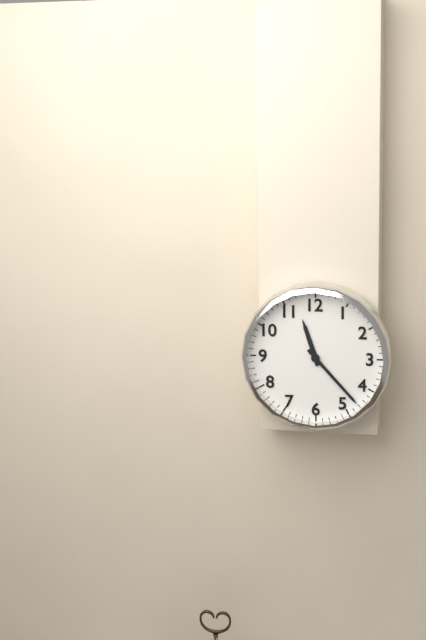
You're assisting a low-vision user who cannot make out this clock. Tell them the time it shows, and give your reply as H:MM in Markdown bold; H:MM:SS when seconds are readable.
**11:23**
